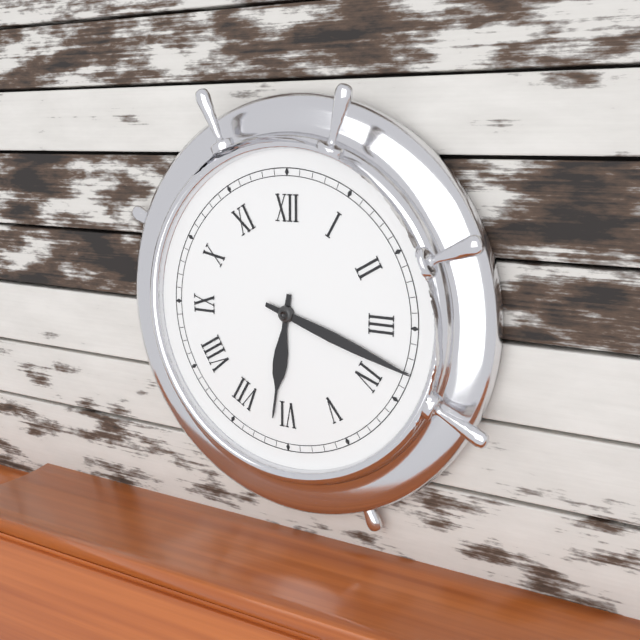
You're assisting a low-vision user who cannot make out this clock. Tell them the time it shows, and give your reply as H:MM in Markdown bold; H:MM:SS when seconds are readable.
**6:18**
